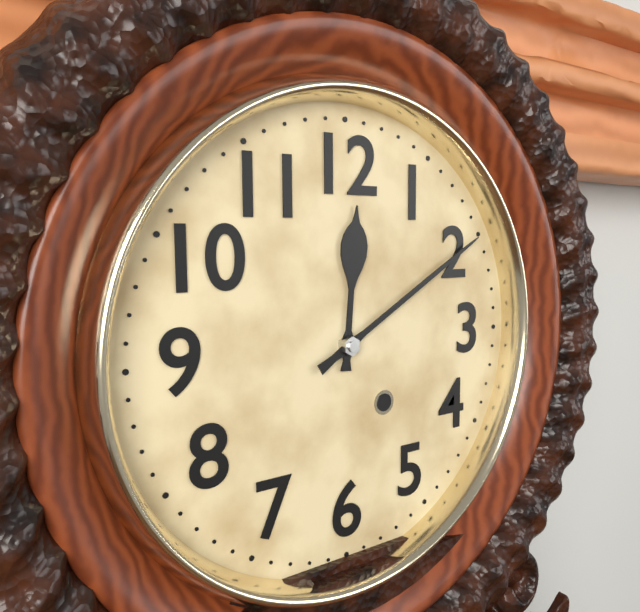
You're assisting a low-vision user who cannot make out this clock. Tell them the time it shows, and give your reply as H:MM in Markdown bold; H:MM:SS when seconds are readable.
**12:10**
